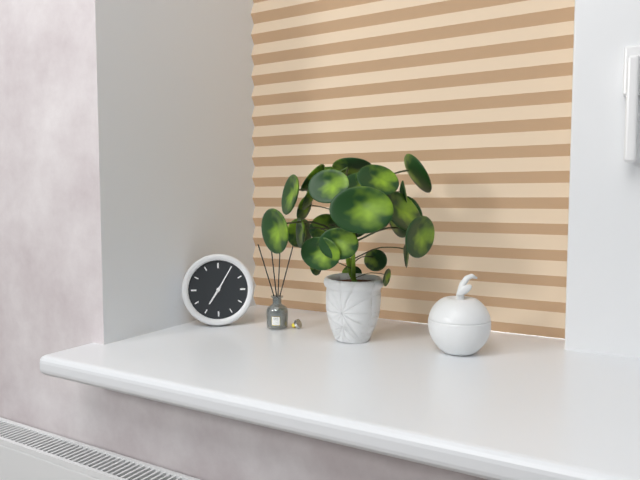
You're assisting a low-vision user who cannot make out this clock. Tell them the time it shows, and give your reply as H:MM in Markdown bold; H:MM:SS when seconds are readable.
**7:05**
